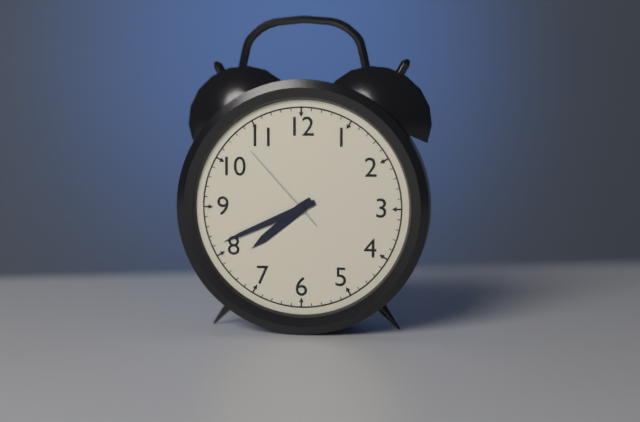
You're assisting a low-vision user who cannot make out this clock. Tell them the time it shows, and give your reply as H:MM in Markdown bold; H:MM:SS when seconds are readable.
**7:41:53**
